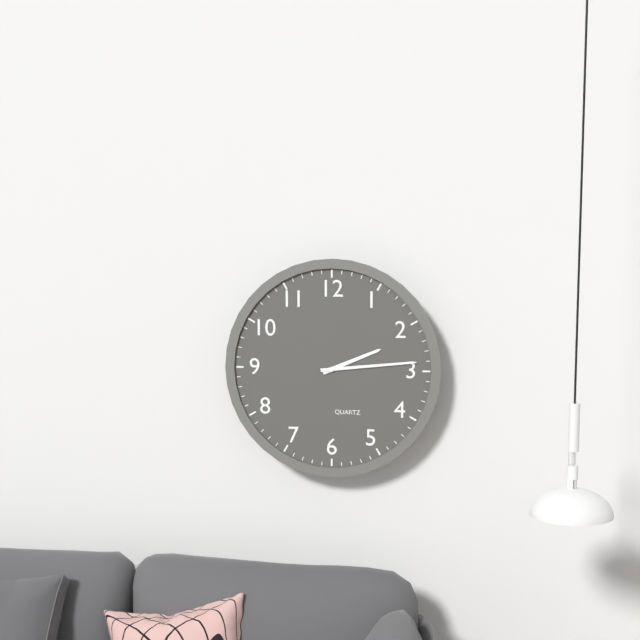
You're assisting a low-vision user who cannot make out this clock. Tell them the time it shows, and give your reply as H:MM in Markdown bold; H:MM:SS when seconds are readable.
**2:14**
